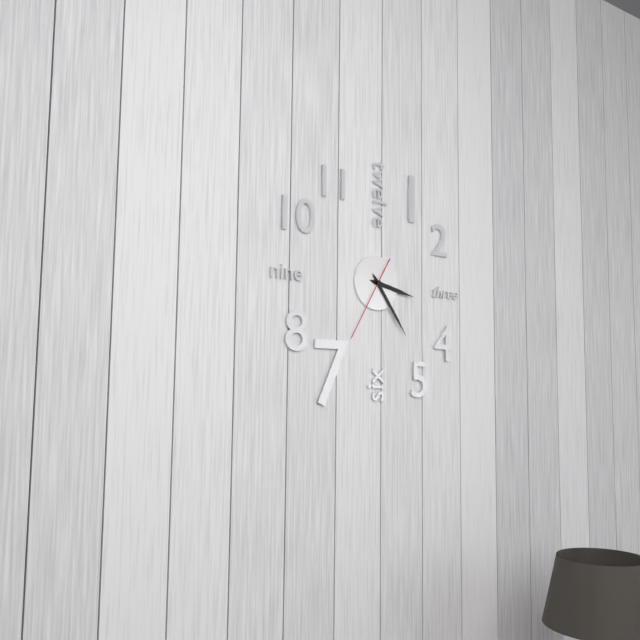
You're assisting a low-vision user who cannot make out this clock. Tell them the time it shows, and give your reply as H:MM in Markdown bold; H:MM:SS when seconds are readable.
**3:24:35**
